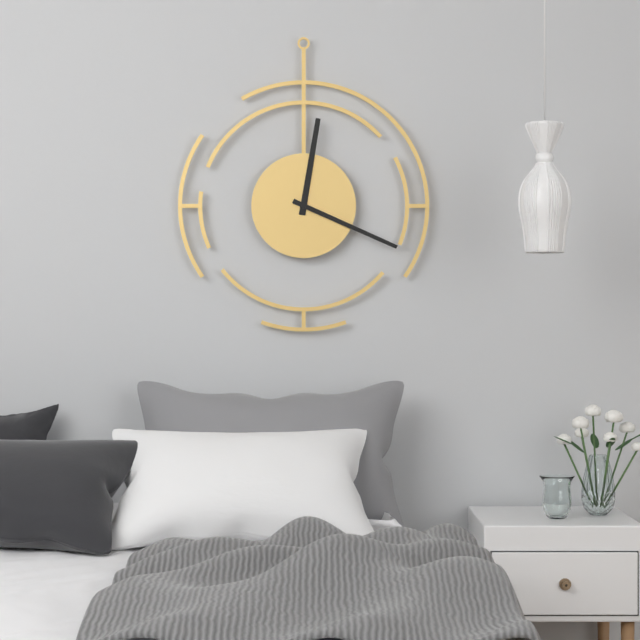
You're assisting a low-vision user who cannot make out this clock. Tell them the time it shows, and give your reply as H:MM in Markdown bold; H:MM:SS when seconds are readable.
**12:19**
